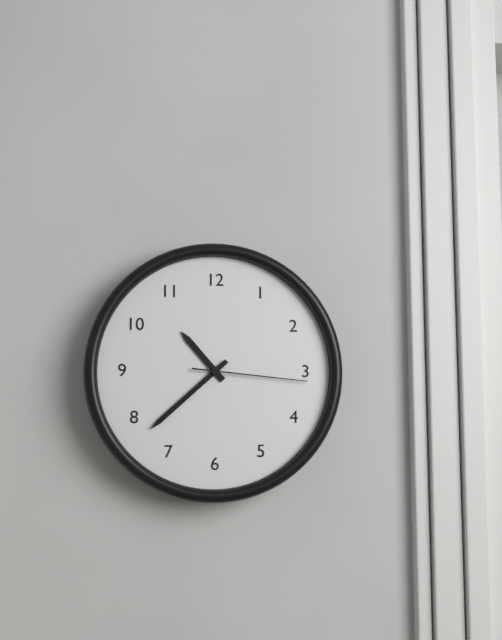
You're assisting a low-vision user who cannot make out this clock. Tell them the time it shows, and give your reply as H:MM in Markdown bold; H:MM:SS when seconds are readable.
**10:38:16**
